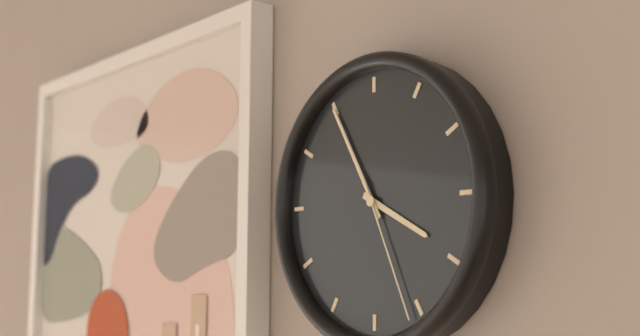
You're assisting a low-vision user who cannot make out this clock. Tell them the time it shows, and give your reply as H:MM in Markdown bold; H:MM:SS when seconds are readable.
**3:55:26**
